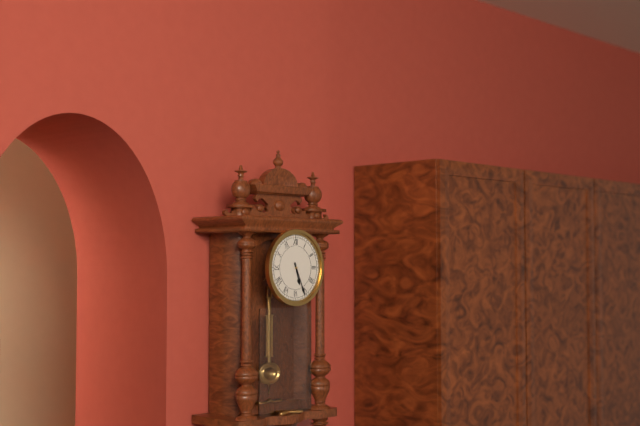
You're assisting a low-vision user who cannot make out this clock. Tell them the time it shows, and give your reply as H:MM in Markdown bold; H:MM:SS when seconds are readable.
**5:26**
